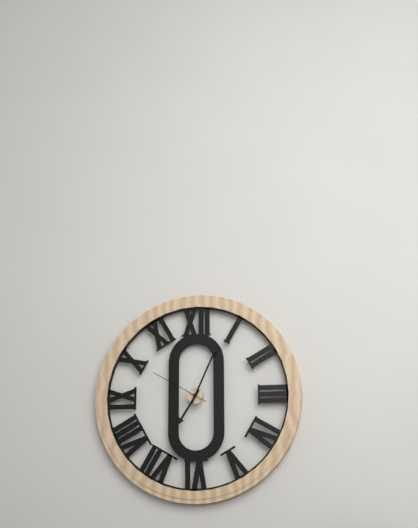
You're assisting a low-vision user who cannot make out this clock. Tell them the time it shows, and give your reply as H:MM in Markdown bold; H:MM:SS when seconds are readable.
**7:04:50**
